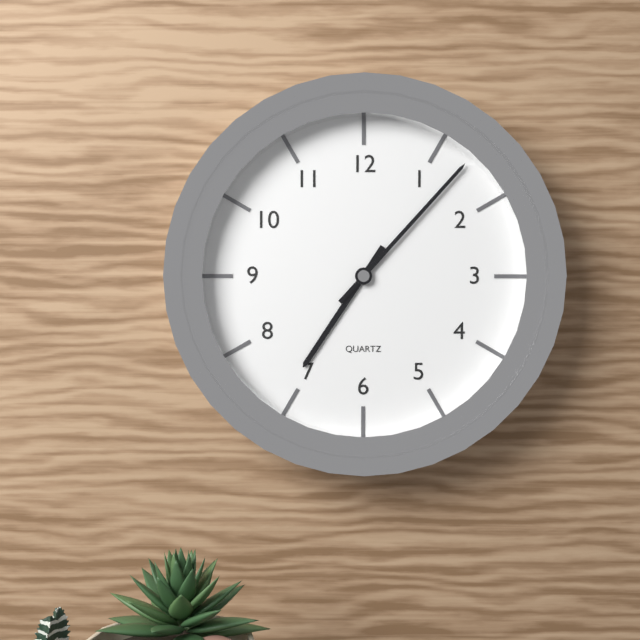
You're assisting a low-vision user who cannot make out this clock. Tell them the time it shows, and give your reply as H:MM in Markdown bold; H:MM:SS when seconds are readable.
**7:07**
